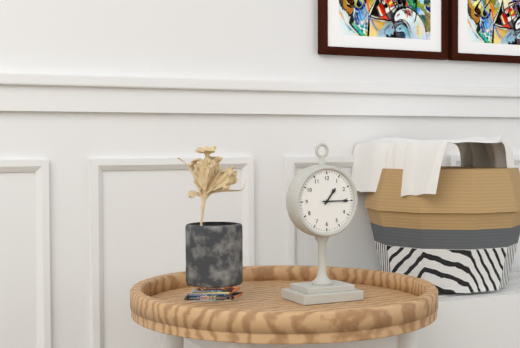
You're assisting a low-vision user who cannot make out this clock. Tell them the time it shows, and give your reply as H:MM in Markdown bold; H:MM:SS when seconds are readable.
**1:15**
